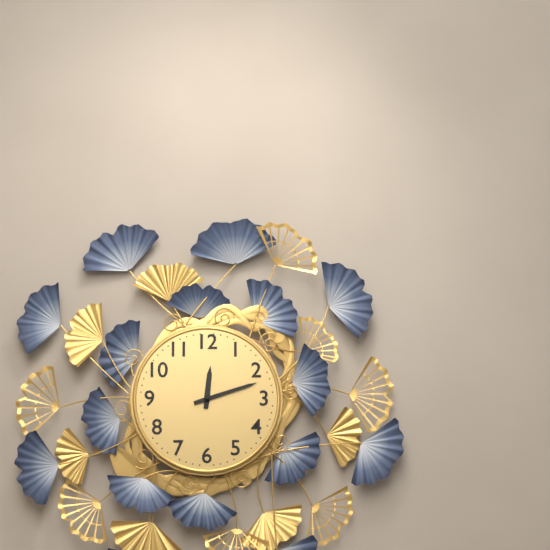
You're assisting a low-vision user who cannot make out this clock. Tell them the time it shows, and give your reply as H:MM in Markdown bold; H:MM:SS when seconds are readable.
**12:12**
